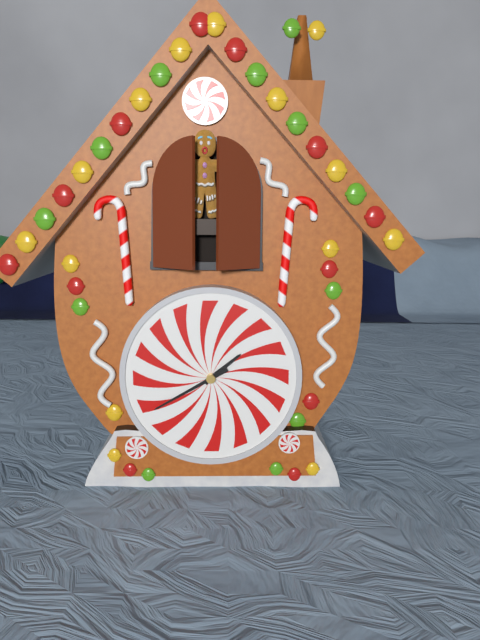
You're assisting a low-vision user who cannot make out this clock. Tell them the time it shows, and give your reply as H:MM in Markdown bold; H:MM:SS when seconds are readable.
**1:40**
